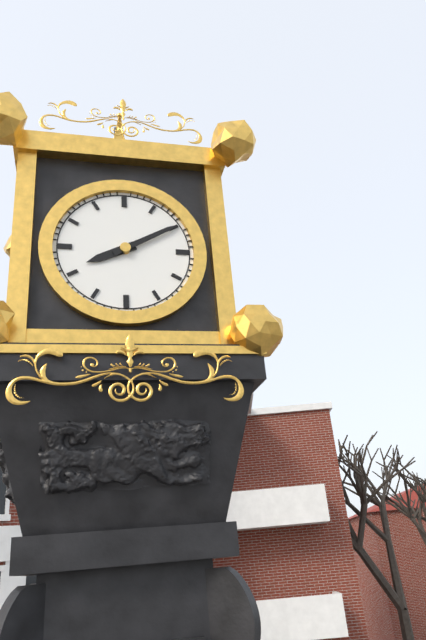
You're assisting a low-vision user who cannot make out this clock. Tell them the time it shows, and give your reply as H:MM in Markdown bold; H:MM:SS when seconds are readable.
**8:10**
